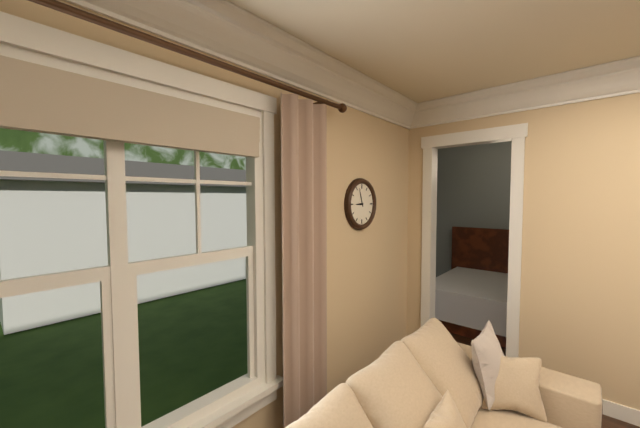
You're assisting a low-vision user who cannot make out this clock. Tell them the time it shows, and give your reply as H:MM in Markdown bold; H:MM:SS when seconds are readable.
**8:57**
